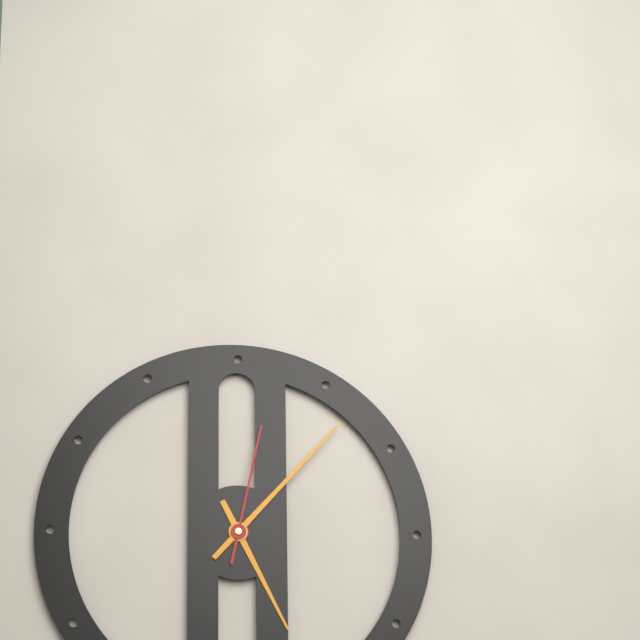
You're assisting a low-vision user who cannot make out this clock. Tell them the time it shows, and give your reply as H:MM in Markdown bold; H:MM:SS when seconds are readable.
**5:07:02**
